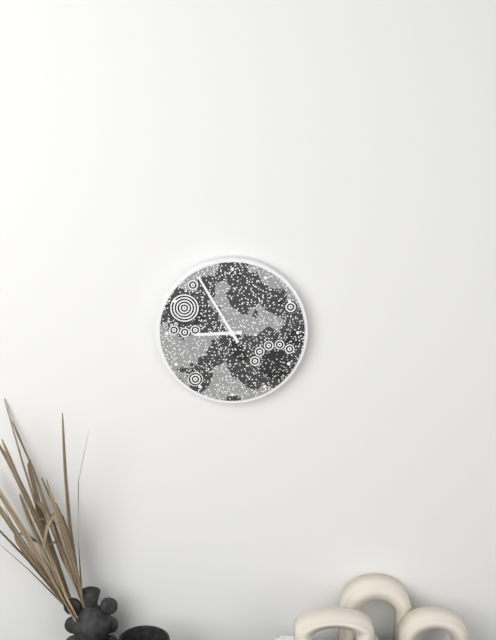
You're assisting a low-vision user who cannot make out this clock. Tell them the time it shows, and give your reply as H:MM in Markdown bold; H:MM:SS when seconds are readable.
**8:55**
